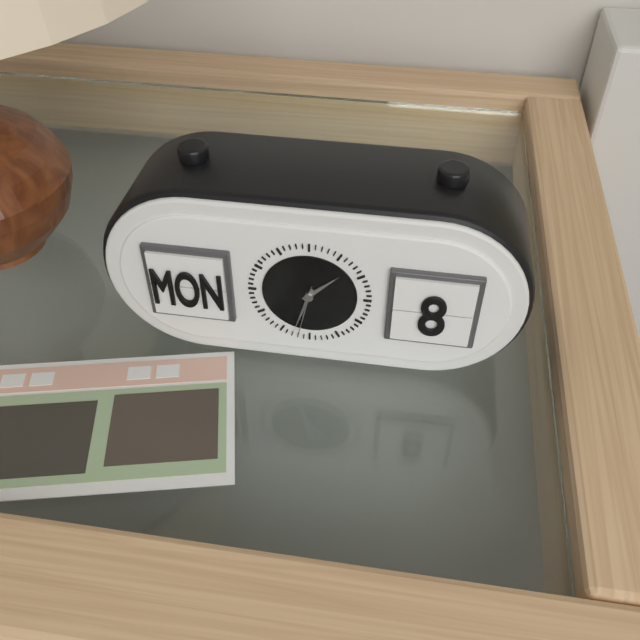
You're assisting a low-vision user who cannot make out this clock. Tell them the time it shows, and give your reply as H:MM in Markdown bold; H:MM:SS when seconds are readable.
**1:33:32**
